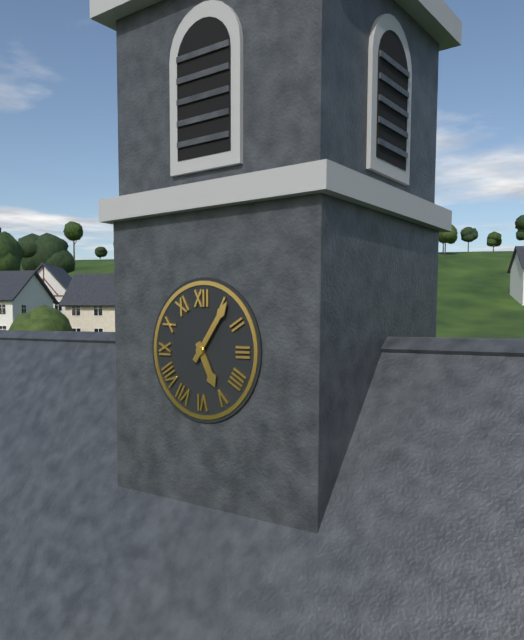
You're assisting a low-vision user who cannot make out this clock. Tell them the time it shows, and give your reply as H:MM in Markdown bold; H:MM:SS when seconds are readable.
**5:06**
